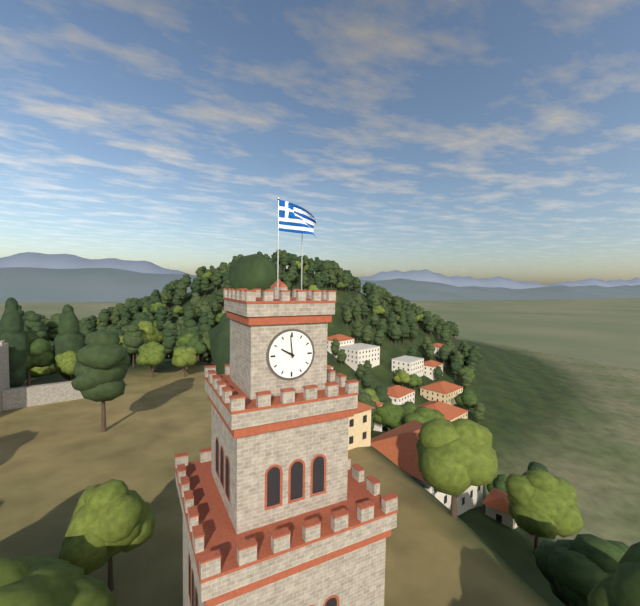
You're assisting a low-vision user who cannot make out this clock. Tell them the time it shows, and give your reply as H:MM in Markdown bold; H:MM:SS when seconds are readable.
**9:59**
